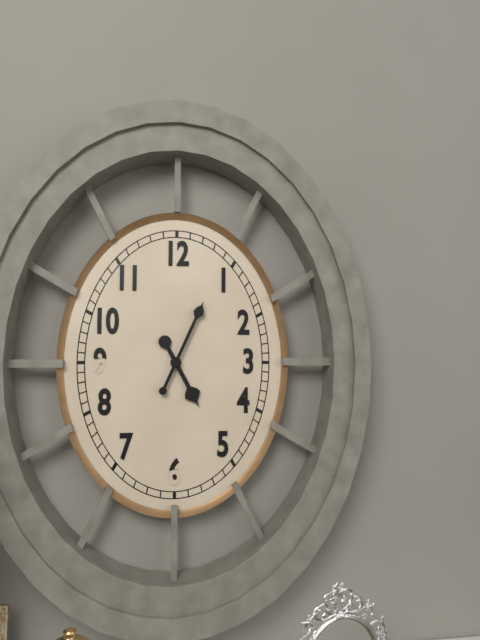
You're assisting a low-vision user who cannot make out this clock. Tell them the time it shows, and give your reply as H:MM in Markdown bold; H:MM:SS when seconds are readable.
**5:04**
